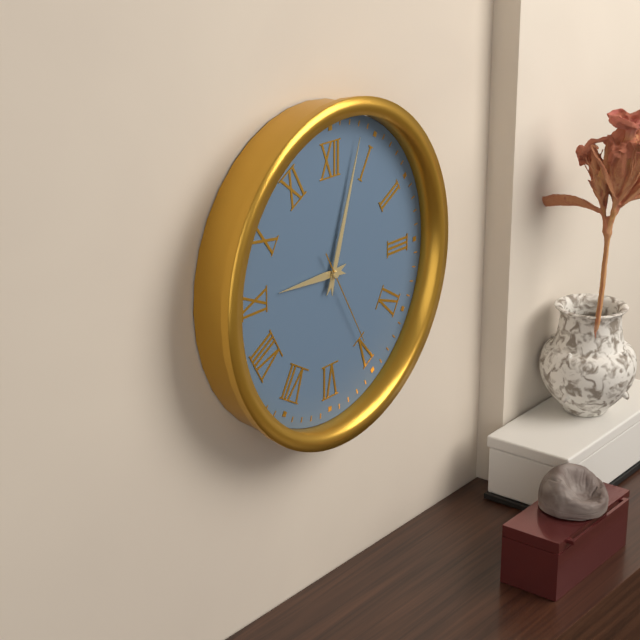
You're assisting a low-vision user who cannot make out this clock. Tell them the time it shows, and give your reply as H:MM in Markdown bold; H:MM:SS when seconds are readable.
**9:03:25**
